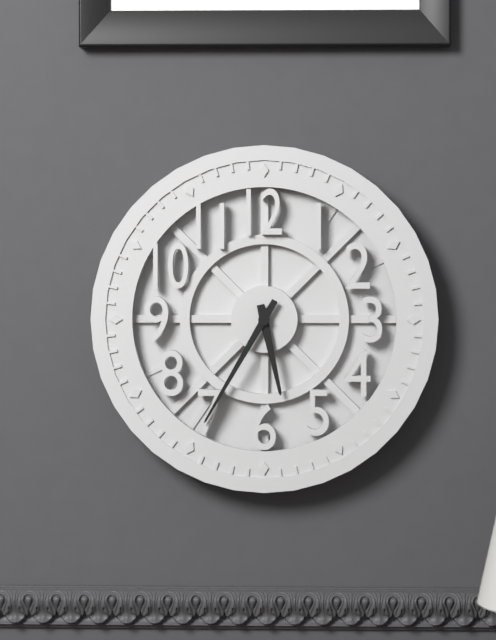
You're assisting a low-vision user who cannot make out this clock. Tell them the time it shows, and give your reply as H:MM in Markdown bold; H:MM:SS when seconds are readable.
**5:35**
